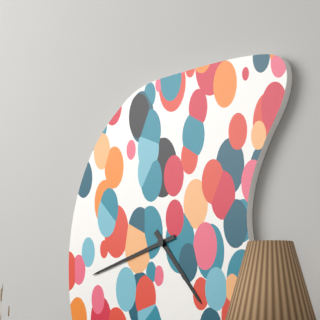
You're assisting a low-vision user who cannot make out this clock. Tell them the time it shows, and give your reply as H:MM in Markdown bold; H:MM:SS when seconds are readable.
**4:42**
